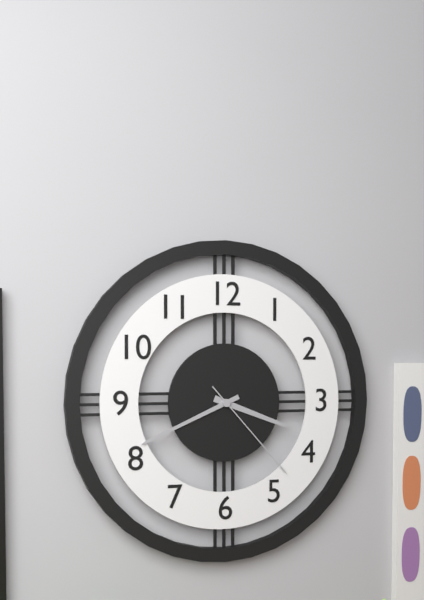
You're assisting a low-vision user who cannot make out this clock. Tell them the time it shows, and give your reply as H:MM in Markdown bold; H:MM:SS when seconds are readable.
**3:41:23**
